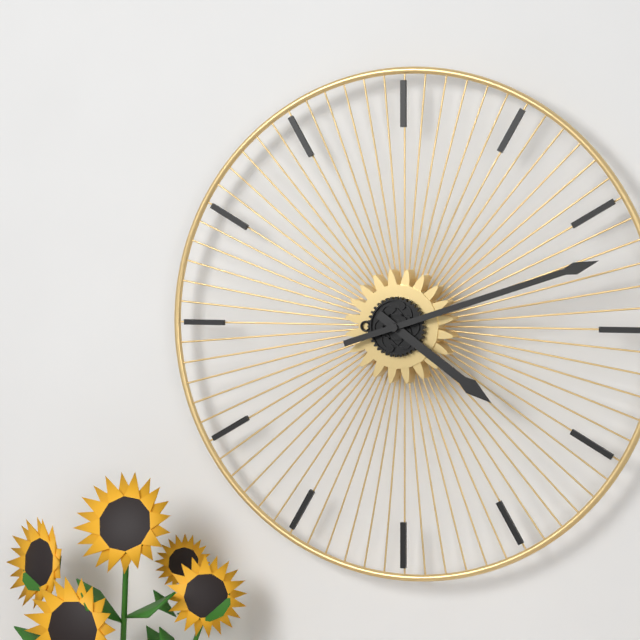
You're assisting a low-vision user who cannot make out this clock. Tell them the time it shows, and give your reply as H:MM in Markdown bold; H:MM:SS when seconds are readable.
**4:12**
